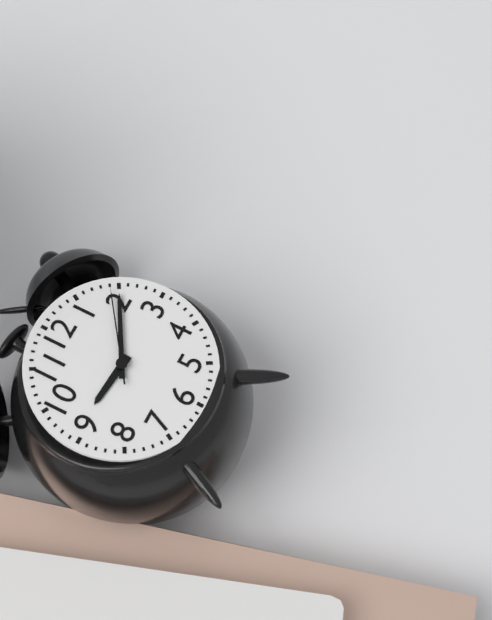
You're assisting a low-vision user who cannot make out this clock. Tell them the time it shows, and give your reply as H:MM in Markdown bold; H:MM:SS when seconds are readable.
**9:10:09**
